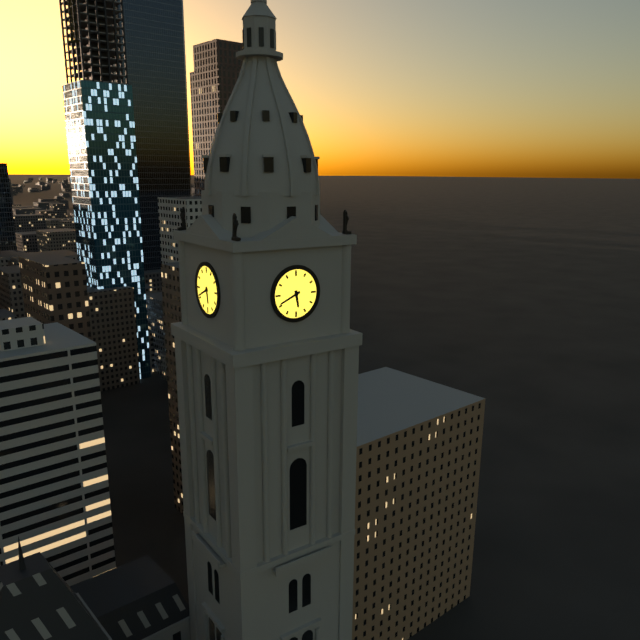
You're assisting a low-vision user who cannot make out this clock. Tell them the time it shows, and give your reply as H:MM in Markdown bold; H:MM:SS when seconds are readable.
**5:41**
